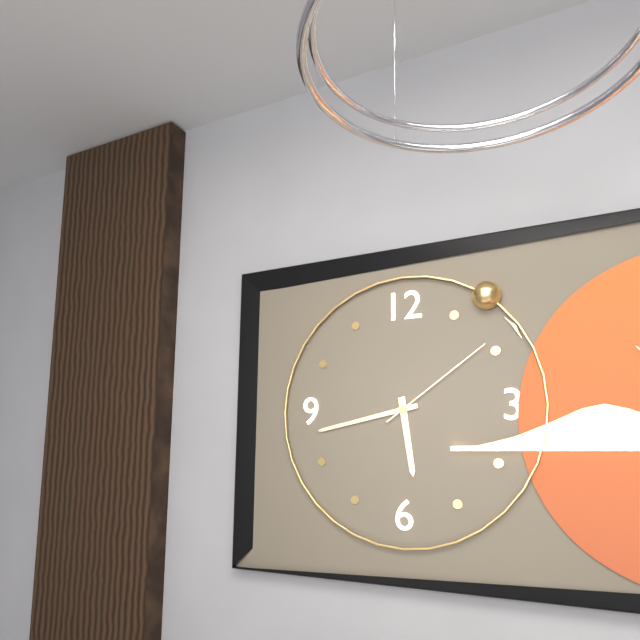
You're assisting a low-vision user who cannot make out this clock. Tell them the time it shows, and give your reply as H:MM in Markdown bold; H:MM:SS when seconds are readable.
**5:43:09**
